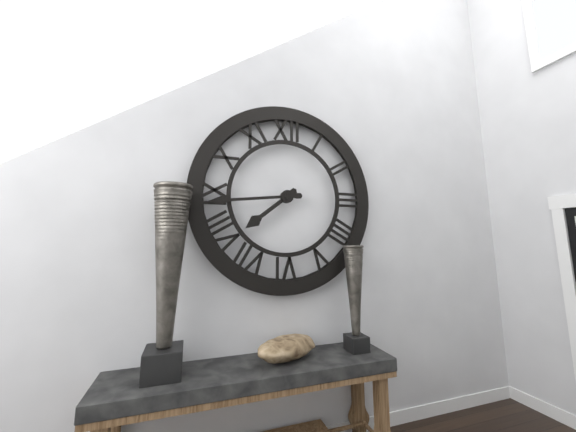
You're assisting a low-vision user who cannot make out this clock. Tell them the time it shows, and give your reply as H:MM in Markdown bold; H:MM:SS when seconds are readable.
**7:44**
